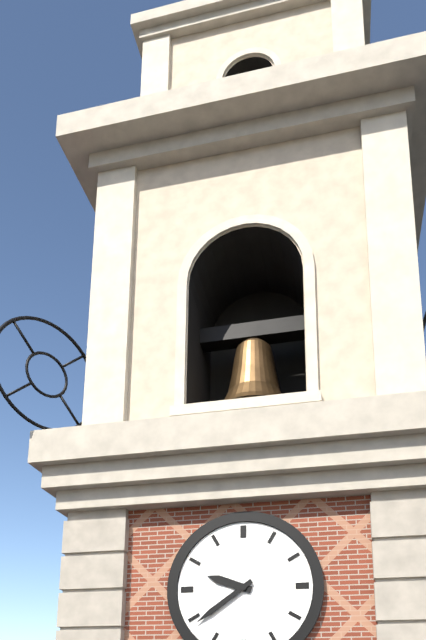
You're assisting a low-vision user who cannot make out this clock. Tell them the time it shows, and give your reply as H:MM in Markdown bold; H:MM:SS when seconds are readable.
**9:39**
